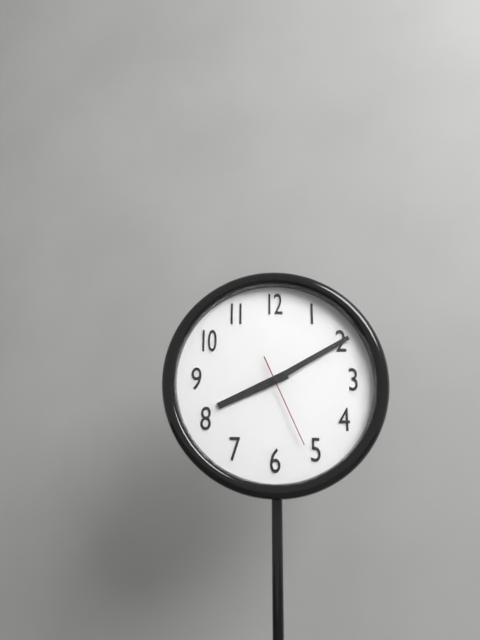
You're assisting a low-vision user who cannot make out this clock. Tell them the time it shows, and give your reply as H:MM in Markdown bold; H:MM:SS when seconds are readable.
**8:10:26**
